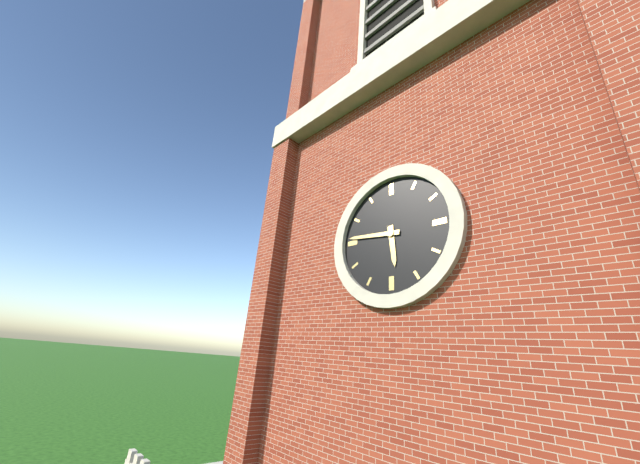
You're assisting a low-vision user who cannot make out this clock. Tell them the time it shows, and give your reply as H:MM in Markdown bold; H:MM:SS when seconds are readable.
**5:46**
